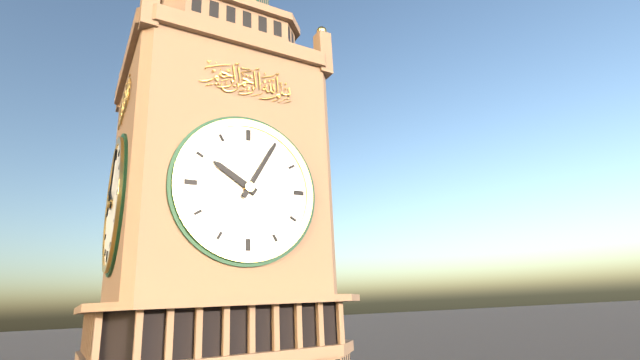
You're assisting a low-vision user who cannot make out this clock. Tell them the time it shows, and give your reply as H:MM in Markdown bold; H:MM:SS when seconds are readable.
**10:05**
